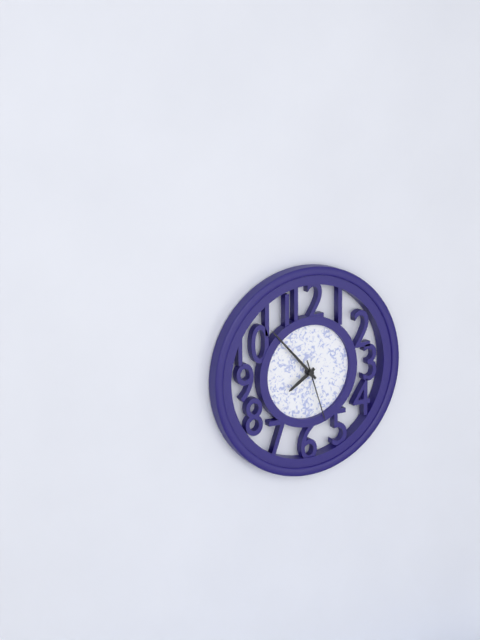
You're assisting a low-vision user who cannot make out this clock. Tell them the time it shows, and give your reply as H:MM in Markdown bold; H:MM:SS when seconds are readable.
**7:53:27**
